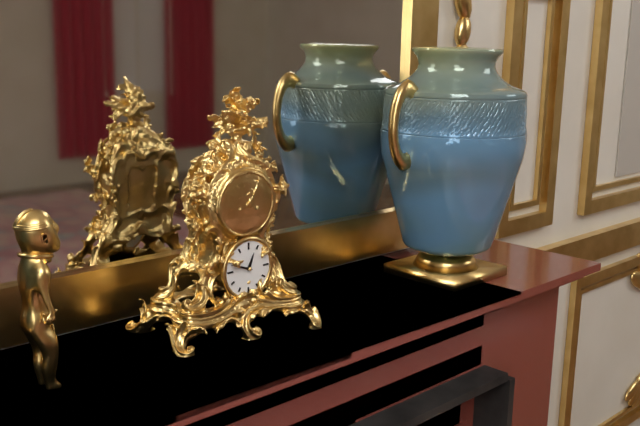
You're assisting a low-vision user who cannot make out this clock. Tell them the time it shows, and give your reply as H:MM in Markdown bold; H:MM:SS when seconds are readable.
**12:48**
